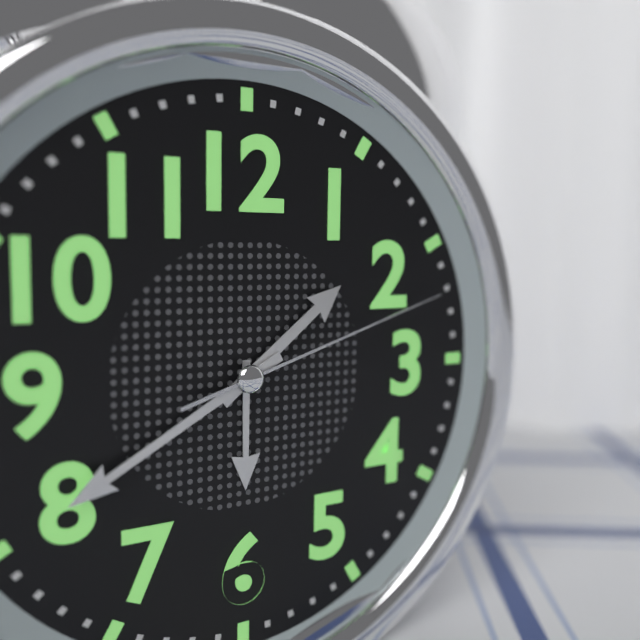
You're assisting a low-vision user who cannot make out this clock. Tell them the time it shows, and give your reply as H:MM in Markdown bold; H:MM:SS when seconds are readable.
**1:40:12**
